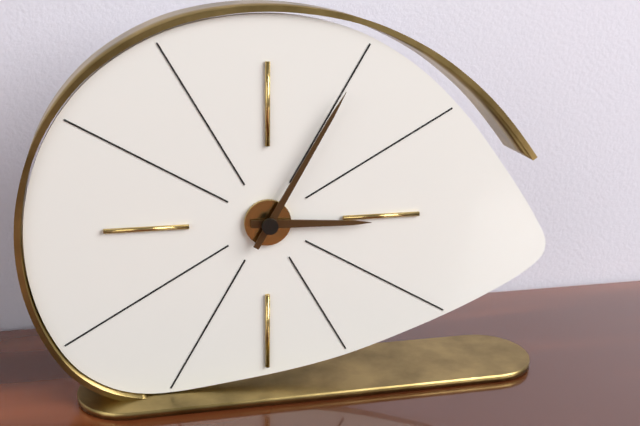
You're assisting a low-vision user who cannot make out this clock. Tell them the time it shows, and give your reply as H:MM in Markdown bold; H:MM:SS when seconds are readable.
**3:05**
